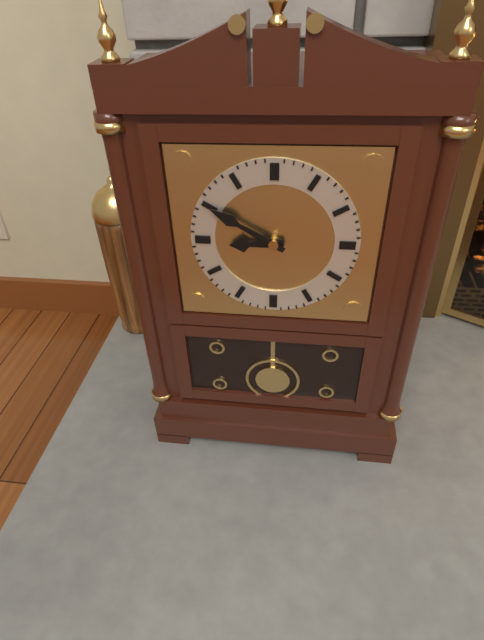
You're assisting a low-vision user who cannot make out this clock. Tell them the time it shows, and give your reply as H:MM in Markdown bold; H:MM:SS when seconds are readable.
**8:50**
